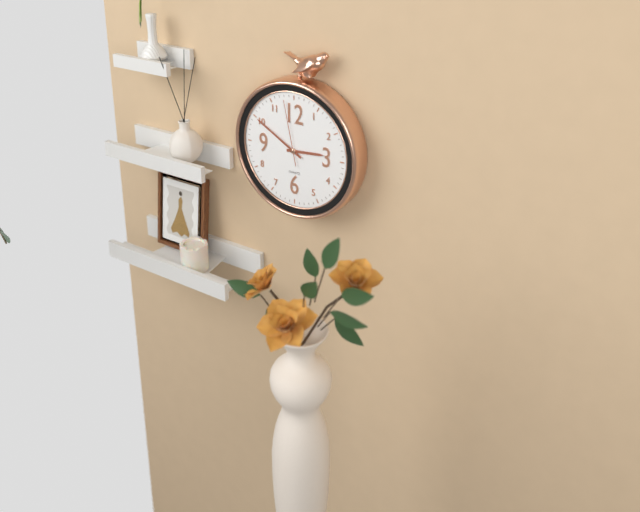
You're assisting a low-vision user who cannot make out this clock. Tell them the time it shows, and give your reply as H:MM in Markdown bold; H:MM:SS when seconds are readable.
**2:50:58**
